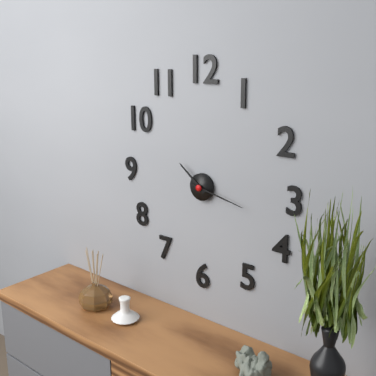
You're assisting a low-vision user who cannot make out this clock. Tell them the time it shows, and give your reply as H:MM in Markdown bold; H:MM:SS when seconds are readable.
**10:17**
